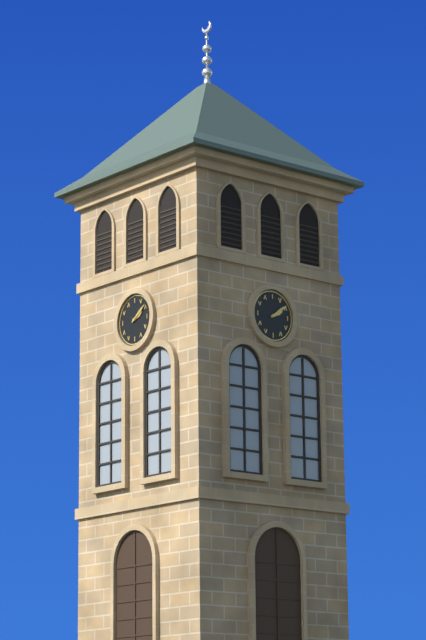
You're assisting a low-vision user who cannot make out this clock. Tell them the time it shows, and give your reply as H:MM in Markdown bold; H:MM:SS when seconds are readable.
**2:09**
